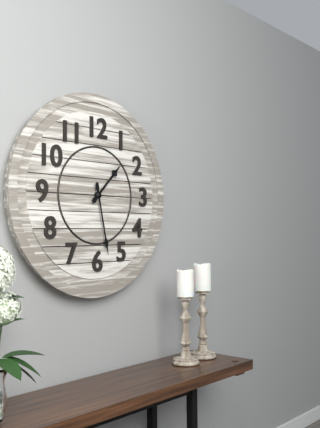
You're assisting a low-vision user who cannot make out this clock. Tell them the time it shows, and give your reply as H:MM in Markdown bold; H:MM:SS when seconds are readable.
**1:28**
